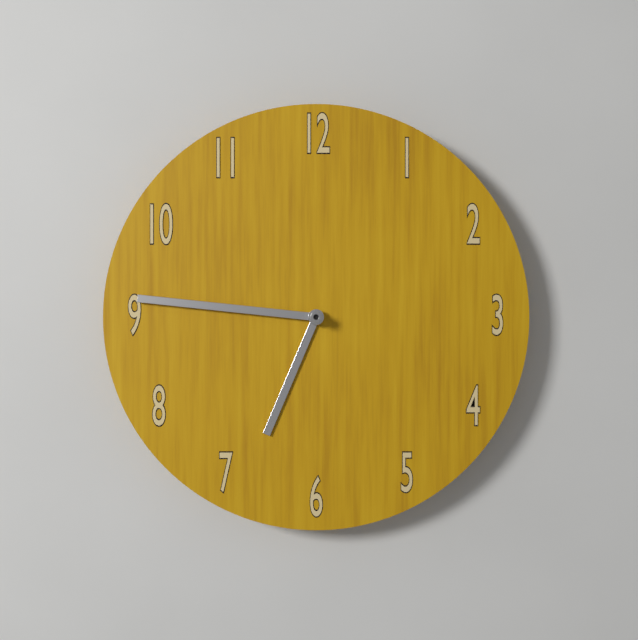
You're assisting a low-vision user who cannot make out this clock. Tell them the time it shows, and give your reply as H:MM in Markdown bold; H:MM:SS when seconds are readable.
**6:46**
